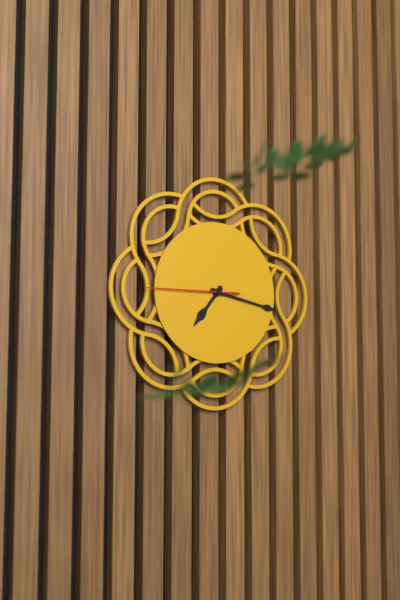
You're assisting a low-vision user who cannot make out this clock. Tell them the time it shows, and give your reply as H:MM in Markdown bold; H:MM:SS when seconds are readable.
**7:17:45**
